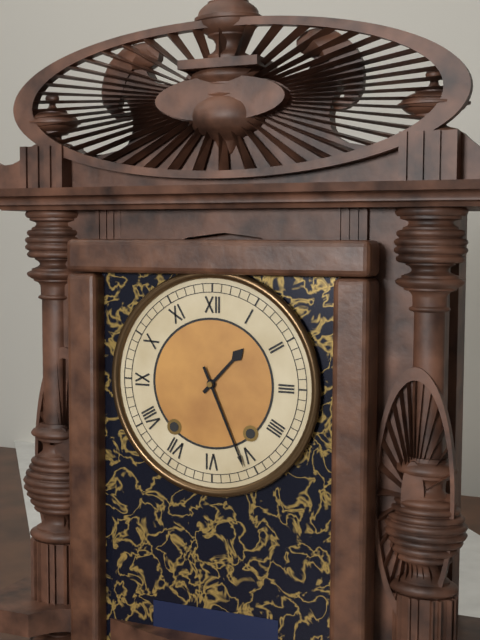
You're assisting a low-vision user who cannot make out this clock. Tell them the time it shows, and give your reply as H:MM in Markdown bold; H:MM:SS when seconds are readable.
**1:26**
